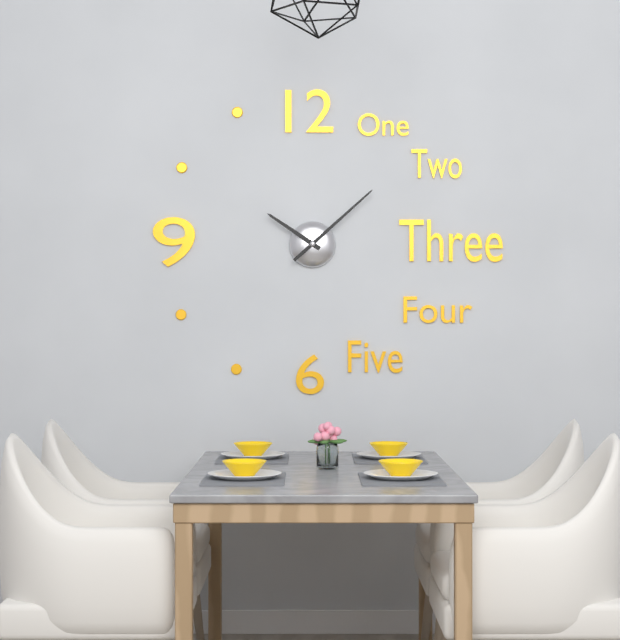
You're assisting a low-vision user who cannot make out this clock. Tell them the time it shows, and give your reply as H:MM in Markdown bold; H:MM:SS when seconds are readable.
**10:08**
